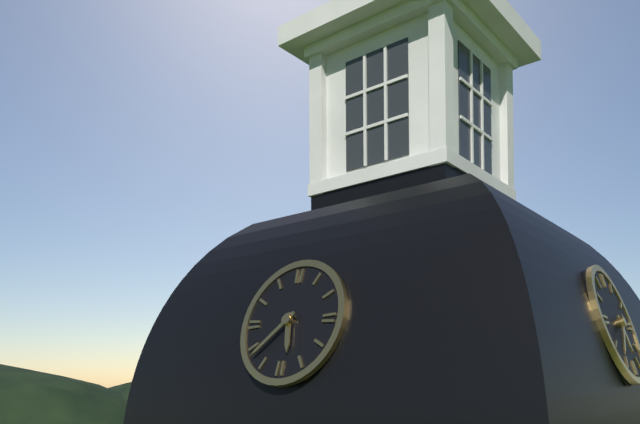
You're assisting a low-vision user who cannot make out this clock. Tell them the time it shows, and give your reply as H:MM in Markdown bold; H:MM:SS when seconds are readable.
**5:38**
